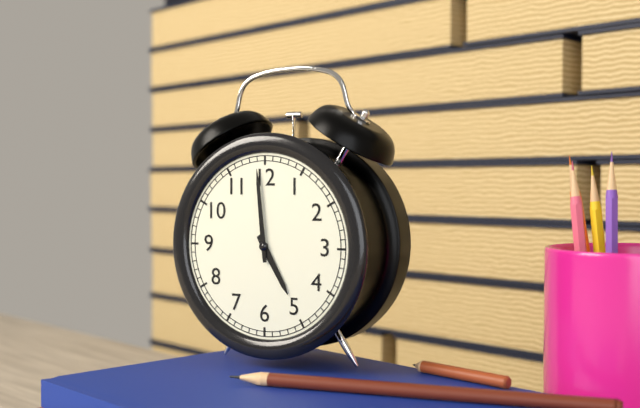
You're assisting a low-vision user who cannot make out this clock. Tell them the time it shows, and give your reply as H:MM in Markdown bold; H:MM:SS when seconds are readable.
**4:59**
